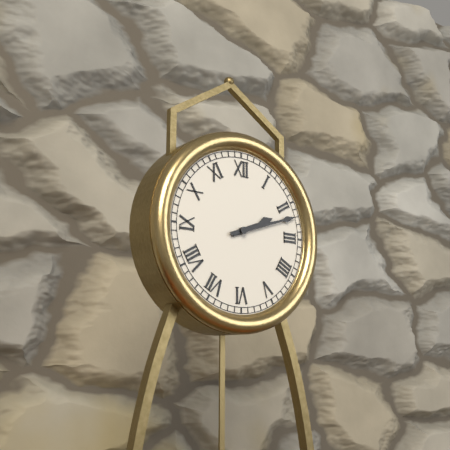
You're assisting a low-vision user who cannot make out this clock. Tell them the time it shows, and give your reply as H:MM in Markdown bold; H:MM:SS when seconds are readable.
**2:12**
